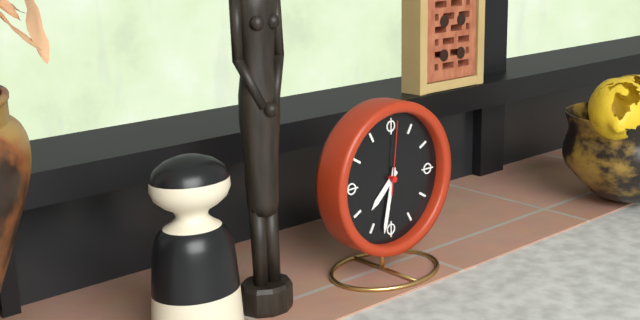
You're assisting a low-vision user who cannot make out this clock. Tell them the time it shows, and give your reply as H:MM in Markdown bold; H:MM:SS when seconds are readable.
**7:32:01**
